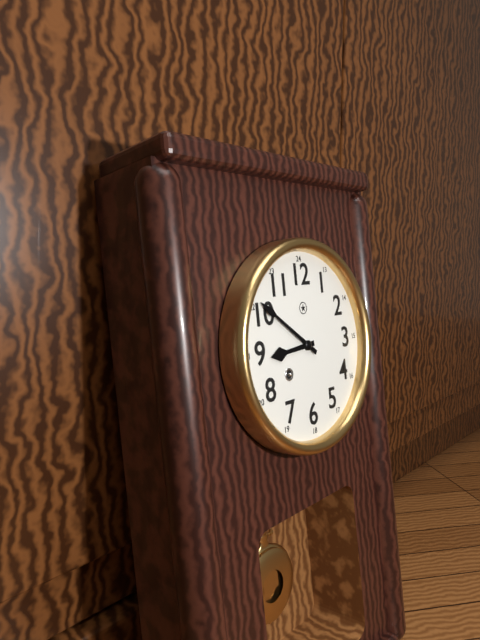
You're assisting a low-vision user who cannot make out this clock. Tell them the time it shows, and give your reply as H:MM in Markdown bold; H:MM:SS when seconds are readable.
**8:51**
